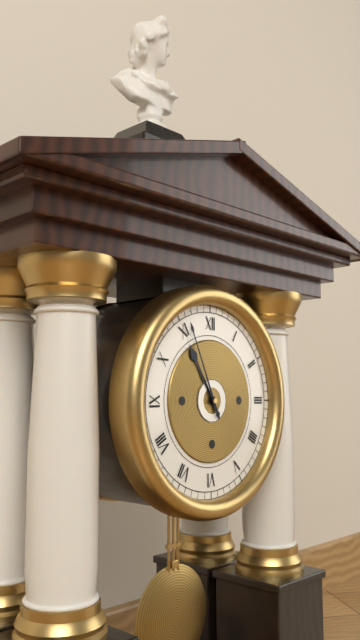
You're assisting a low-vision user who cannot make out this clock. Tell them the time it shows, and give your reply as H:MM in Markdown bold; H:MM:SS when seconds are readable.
**10:56**
